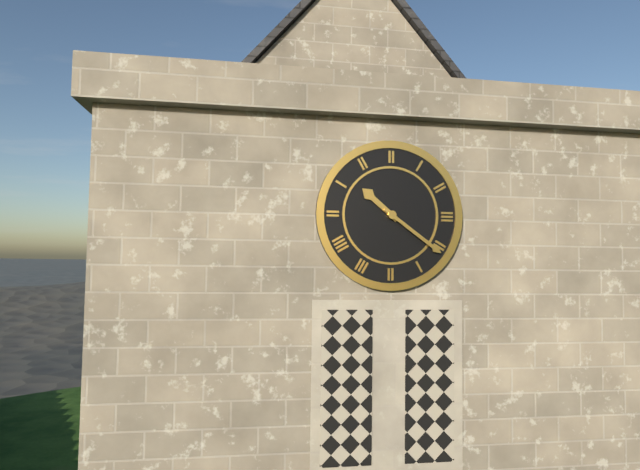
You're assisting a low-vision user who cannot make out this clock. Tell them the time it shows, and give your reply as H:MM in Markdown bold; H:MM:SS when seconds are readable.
**10:21**
